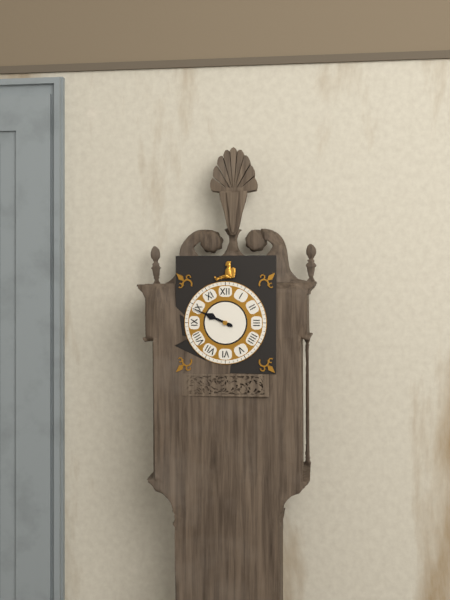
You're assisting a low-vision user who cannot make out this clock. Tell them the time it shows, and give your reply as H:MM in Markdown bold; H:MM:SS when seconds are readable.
**9:49**
